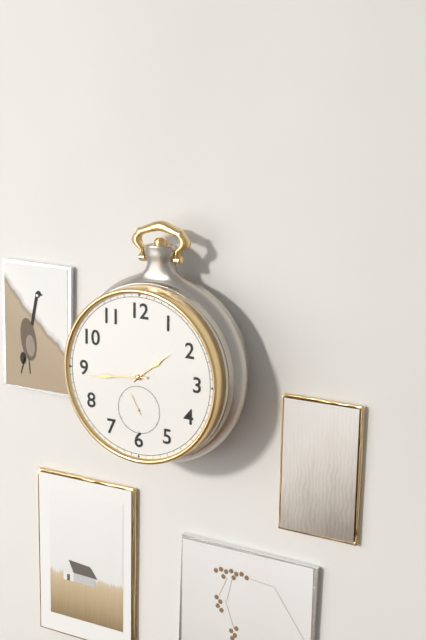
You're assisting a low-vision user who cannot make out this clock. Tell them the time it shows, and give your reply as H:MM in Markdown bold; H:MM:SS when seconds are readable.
**1:44**
